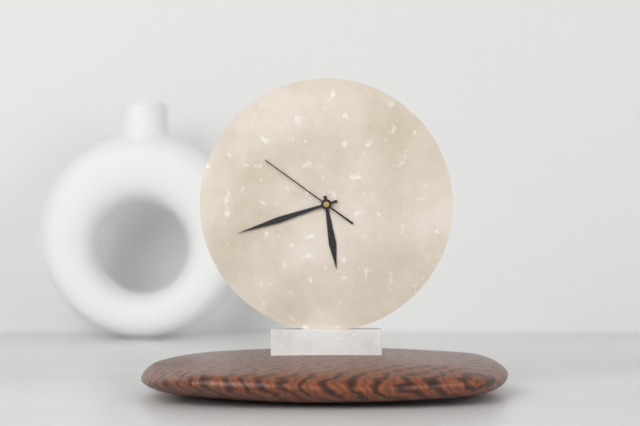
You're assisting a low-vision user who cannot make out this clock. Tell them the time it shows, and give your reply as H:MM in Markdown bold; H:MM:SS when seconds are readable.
**5:42:51**
